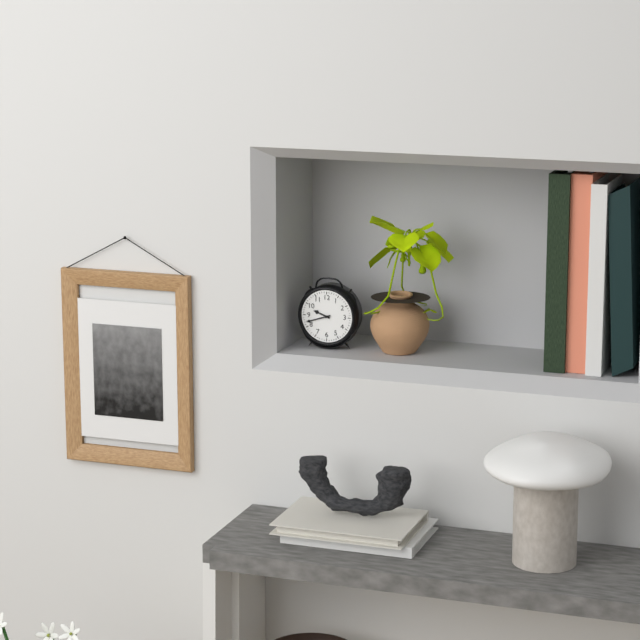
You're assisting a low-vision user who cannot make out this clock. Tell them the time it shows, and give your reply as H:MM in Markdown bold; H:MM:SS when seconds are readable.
**9:42**
